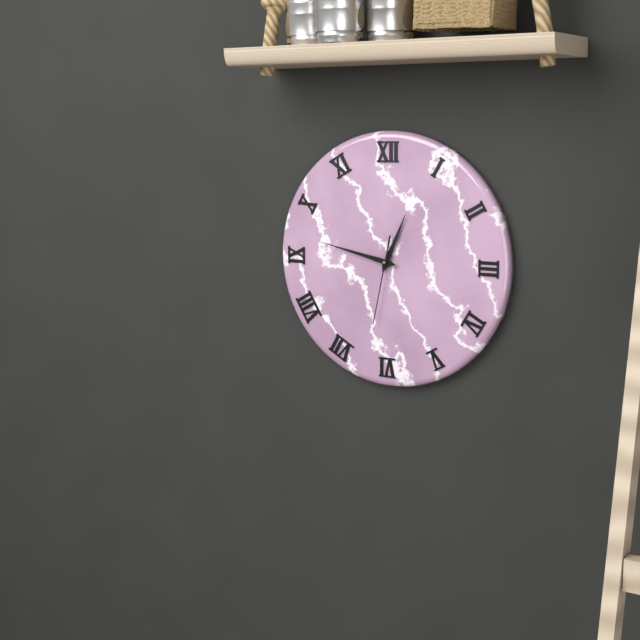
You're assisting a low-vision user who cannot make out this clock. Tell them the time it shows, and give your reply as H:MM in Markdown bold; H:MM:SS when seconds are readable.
**12:47:32**
